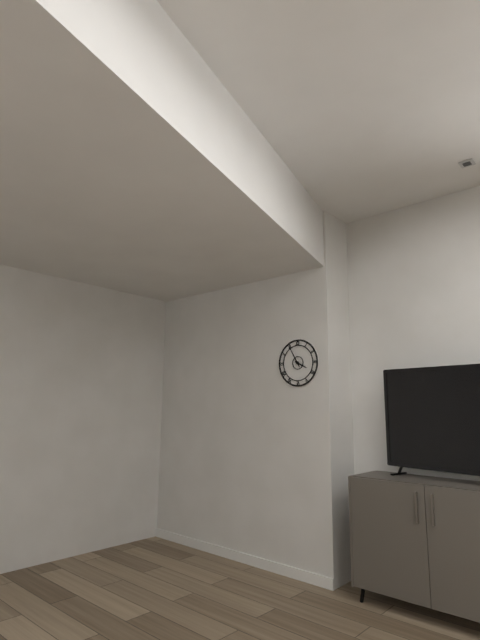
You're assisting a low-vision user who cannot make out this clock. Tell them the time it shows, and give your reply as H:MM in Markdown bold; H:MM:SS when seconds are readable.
**3:55**
